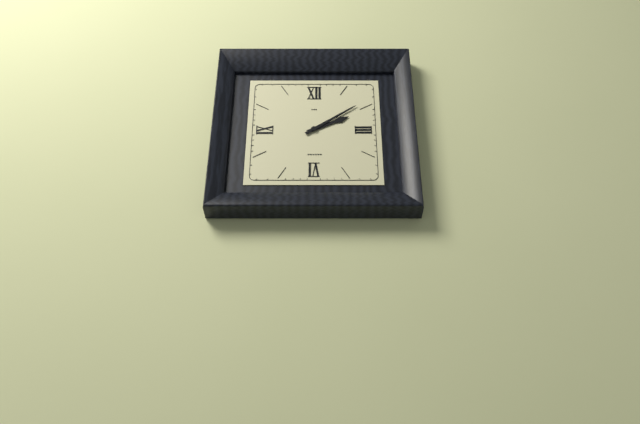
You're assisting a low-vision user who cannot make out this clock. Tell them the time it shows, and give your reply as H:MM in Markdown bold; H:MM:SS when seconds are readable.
**2:09**
